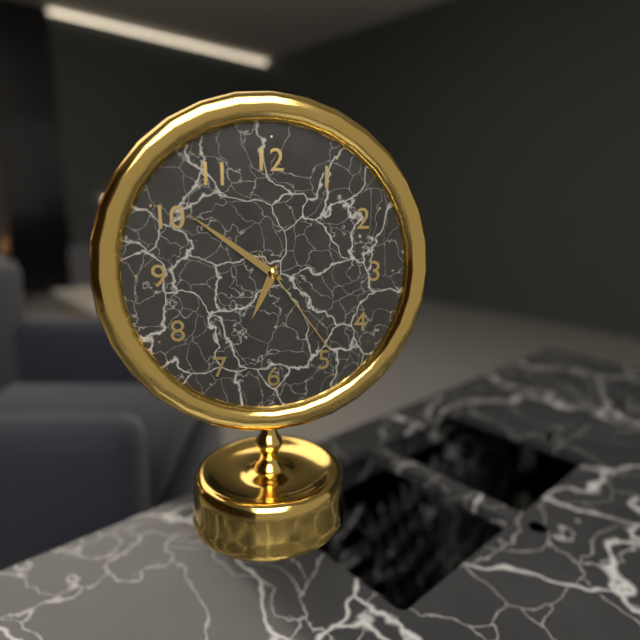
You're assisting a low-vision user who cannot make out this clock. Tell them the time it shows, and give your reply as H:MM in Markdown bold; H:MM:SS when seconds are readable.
**6:51:24**
